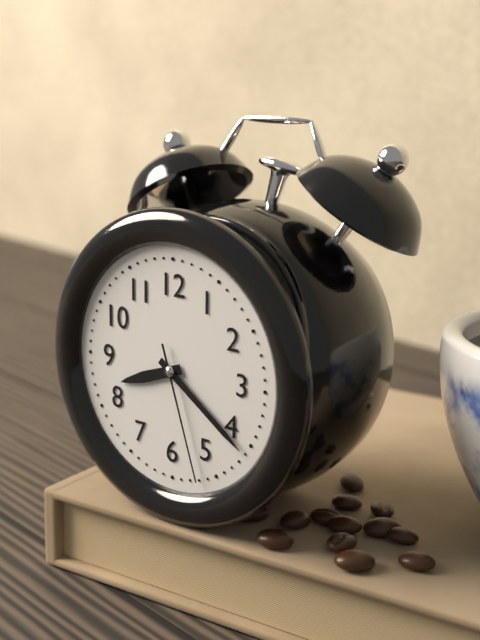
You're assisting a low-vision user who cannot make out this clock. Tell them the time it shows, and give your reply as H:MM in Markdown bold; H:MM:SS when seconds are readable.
**8:21:27**
